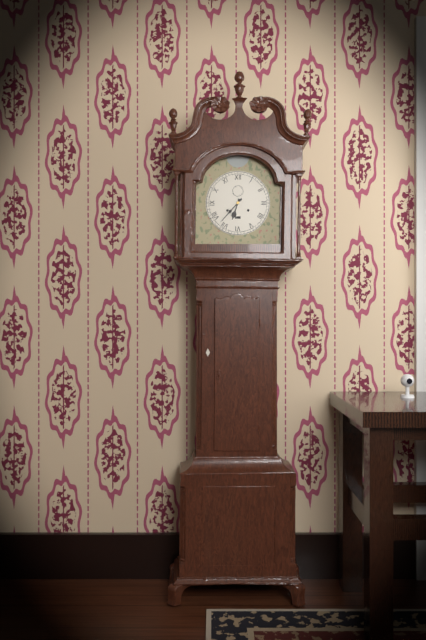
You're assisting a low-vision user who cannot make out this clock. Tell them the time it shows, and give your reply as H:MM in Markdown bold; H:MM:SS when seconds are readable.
**6:37**
